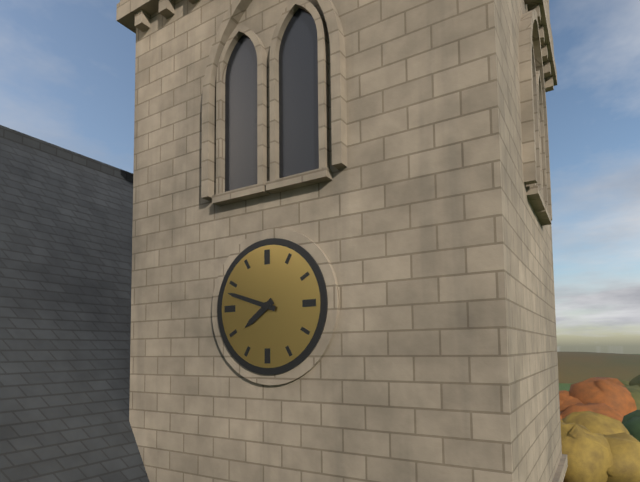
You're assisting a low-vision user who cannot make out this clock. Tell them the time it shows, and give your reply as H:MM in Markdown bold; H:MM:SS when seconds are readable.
**7:48**
